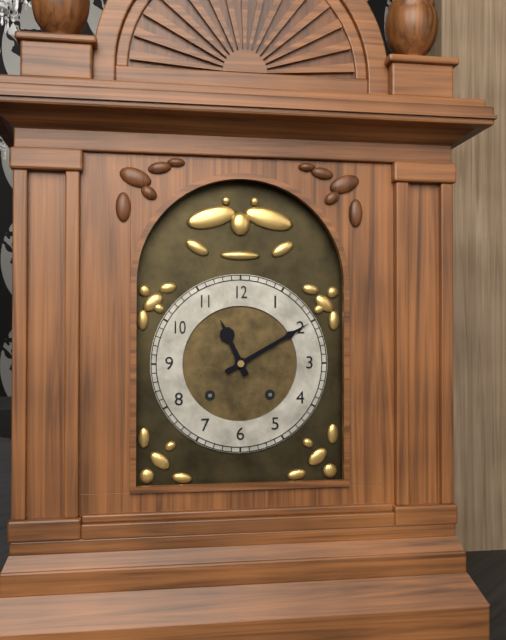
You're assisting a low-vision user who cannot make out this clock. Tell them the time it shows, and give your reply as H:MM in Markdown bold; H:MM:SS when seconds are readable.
**11:10**
